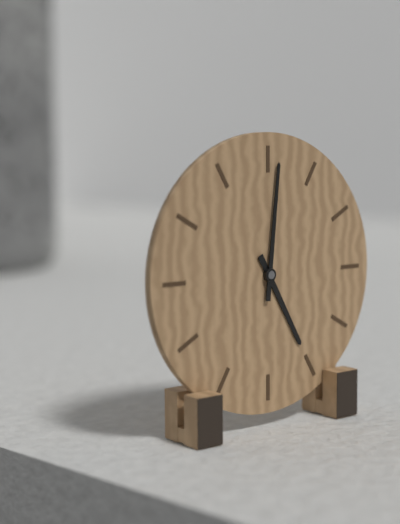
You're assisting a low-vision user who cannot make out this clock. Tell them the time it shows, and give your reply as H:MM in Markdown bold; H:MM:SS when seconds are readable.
**5:01**
